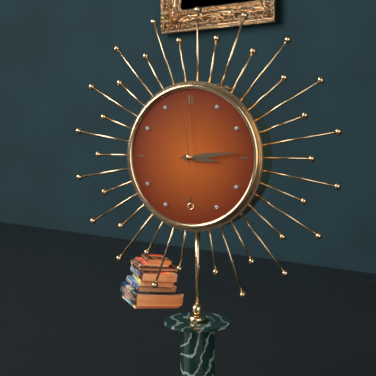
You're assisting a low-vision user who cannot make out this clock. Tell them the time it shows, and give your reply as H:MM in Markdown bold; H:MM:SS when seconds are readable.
**3:14:59**
